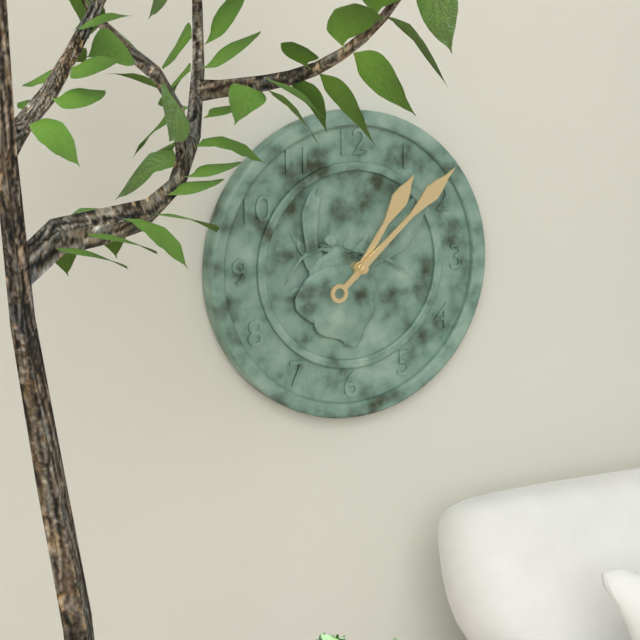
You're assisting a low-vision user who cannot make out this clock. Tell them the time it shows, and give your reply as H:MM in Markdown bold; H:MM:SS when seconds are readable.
**1:08**
